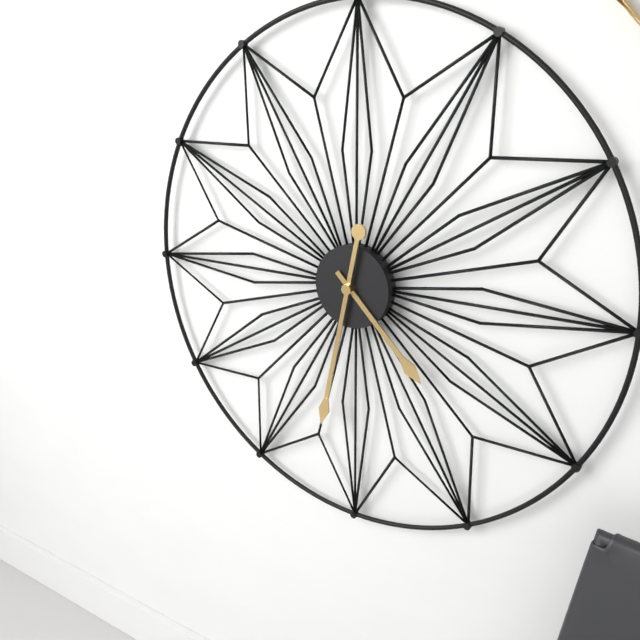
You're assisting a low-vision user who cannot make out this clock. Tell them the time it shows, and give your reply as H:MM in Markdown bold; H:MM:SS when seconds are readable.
**4:32**
